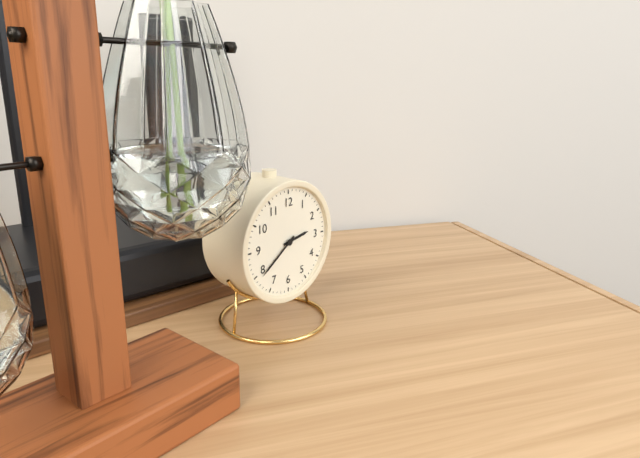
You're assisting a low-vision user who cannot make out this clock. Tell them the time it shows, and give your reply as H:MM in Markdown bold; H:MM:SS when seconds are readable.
**2:39**
